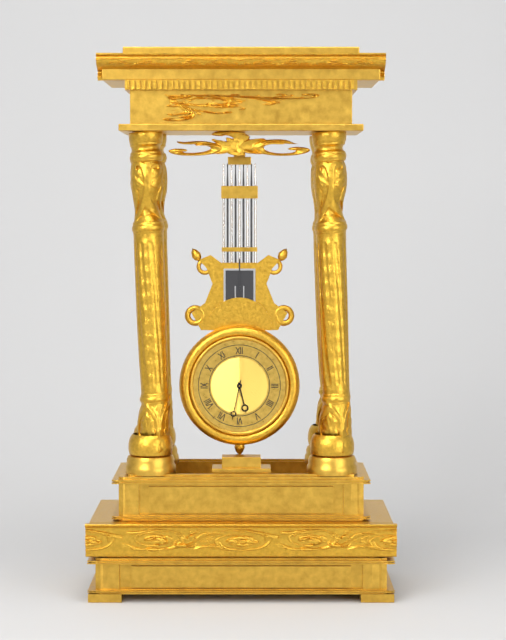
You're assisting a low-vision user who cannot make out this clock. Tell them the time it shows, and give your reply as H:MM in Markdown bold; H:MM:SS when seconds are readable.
**5:32**
